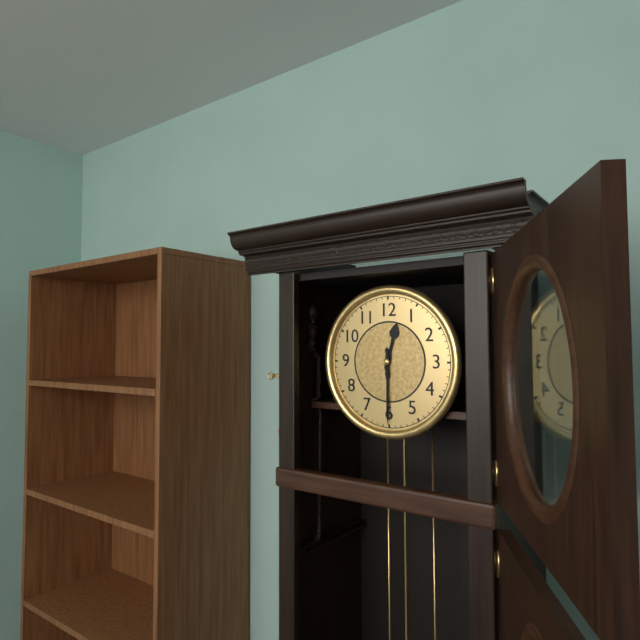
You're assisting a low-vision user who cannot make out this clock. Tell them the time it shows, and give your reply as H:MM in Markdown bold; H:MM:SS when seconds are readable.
**12:30**
